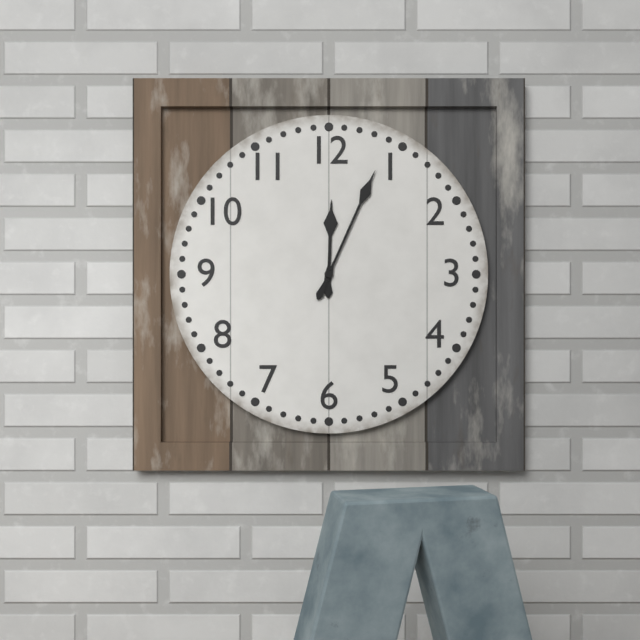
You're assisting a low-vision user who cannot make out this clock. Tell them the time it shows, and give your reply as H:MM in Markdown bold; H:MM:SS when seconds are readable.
**12:04**
